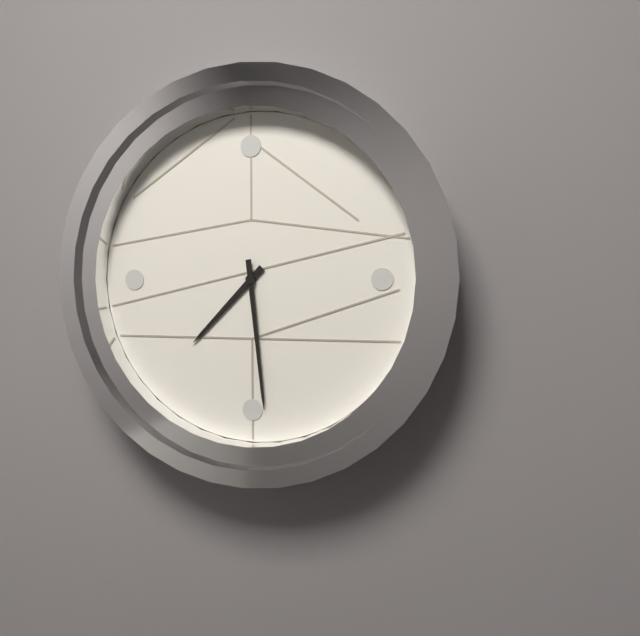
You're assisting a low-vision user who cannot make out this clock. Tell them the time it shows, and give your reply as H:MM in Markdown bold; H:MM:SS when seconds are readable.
**7:29**
